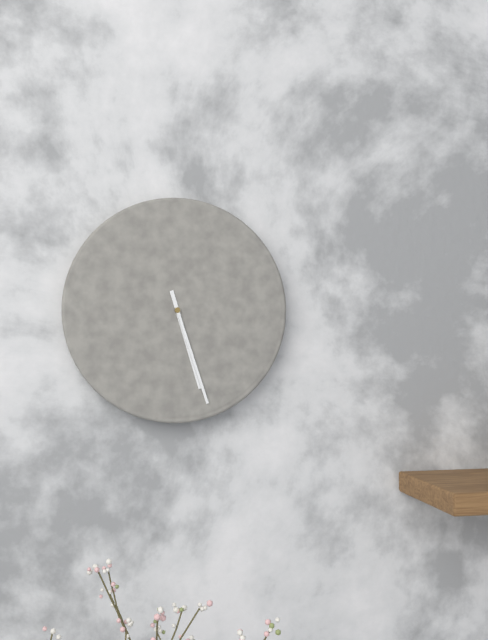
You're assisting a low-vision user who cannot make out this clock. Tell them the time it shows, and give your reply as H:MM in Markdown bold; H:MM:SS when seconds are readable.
**5:27**
